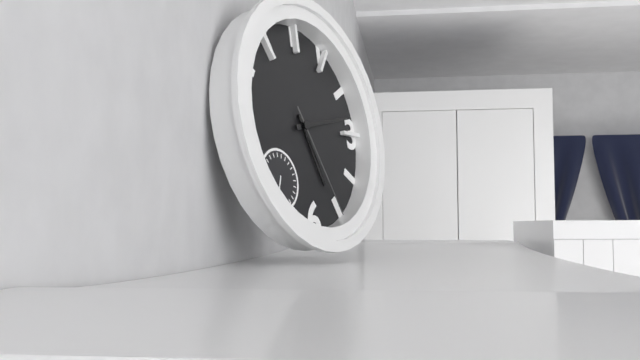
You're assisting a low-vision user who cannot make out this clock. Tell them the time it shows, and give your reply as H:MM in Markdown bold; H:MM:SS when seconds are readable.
**5:13:25**
